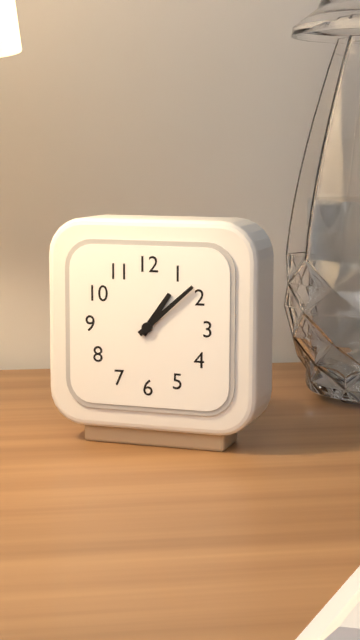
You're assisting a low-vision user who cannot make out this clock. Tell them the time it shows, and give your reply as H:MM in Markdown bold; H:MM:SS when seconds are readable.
**1:08**
